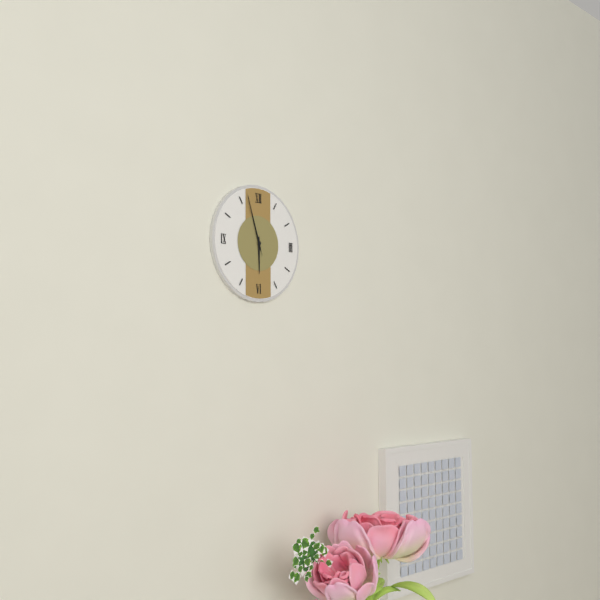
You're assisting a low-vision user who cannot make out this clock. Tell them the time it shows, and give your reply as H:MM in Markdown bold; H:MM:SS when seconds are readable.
**5:57:57**
